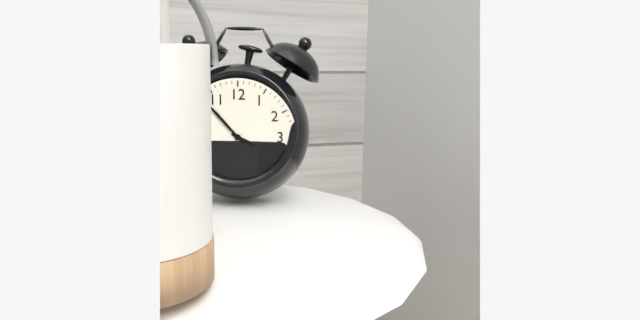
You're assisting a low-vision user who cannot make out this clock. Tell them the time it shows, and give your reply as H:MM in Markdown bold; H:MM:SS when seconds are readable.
**3:53**
